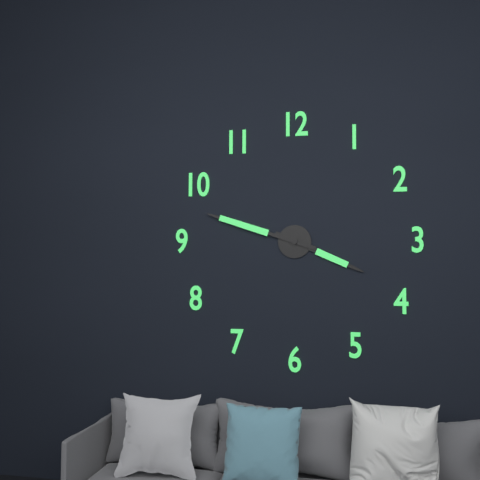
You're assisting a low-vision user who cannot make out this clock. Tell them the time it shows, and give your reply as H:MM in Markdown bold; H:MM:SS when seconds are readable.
**3:48**
